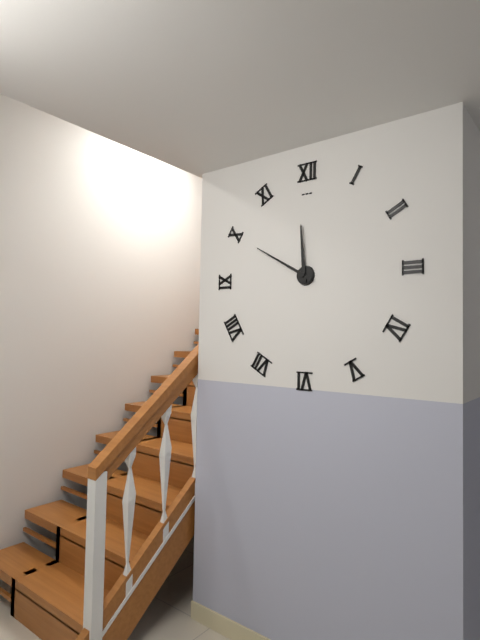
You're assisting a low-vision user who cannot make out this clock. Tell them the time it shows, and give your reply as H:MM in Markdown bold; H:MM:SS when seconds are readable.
**11:50**
